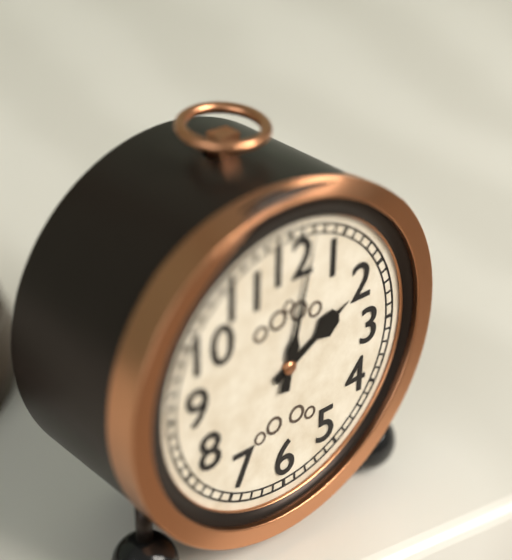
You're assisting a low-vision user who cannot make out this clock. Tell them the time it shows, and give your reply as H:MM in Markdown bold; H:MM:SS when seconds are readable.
**2:02**
